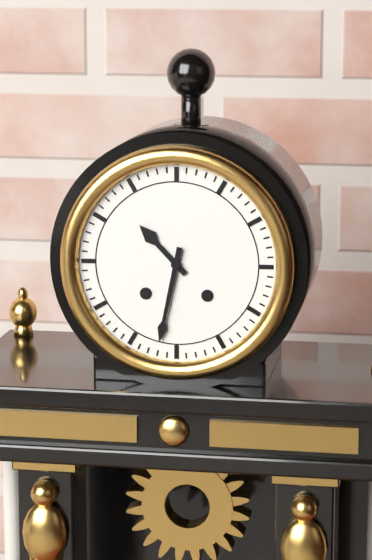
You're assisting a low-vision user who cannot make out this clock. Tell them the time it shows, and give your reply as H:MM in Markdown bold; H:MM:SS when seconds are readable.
**10:32**
